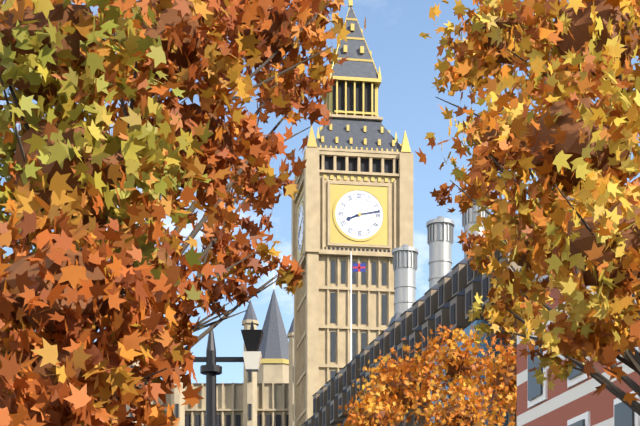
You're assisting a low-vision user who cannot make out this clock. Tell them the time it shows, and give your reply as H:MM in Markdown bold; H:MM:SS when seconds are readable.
**8:13**
